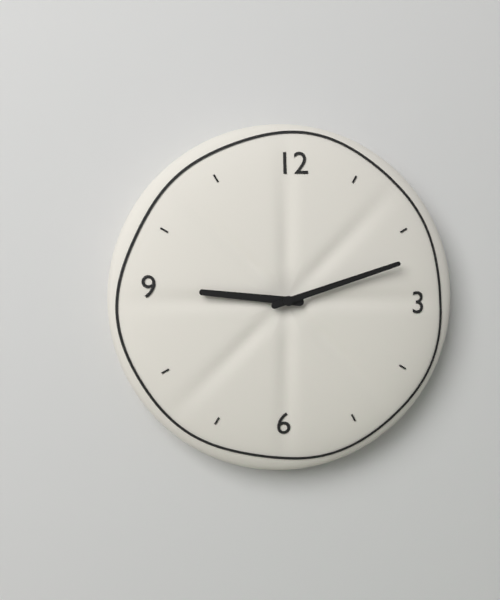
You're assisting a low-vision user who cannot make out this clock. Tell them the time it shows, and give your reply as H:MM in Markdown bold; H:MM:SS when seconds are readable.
**9:12**
